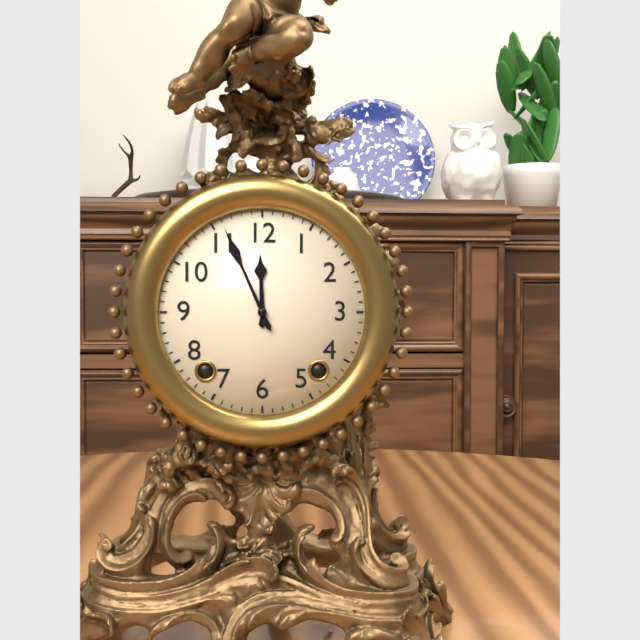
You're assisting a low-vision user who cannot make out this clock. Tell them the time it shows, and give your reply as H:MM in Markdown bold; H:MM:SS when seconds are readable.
**11:56**
